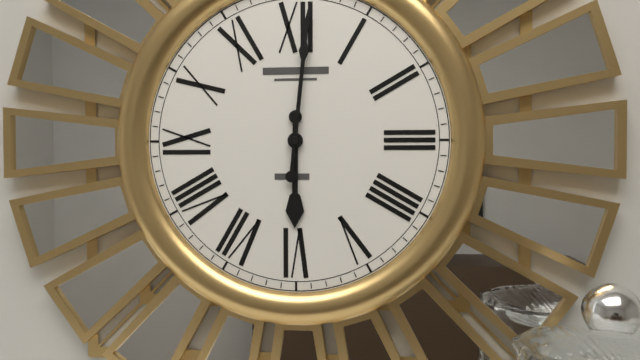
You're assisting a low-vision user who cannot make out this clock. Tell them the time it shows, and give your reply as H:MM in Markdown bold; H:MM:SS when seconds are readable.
**6:01**
